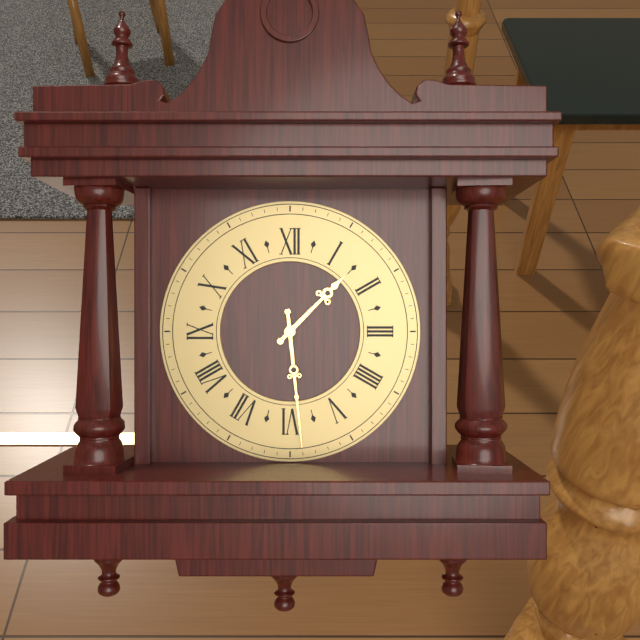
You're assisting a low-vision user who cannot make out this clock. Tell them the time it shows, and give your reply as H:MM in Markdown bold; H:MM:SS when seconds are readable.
**1:29**
